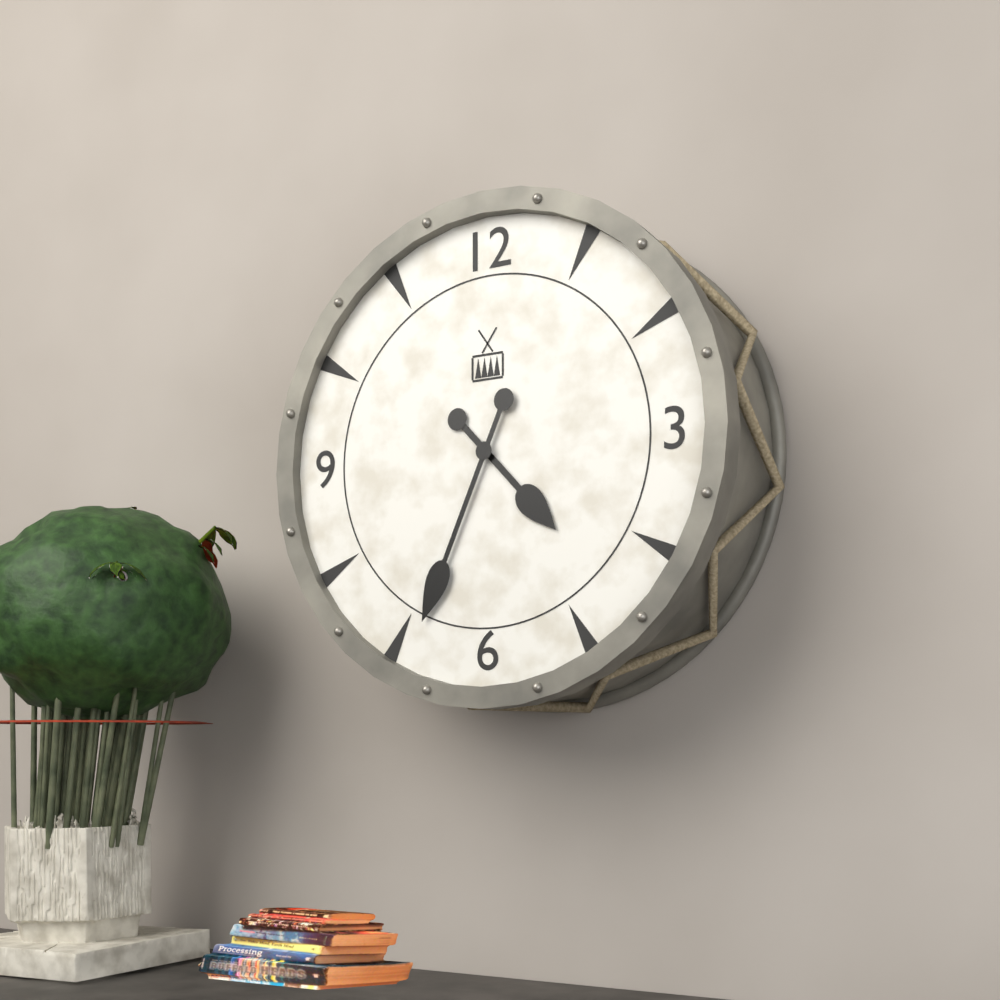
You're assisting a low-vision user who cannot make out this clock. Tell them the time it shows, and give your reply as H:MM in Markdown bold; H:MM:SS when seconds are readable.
**4:34**
